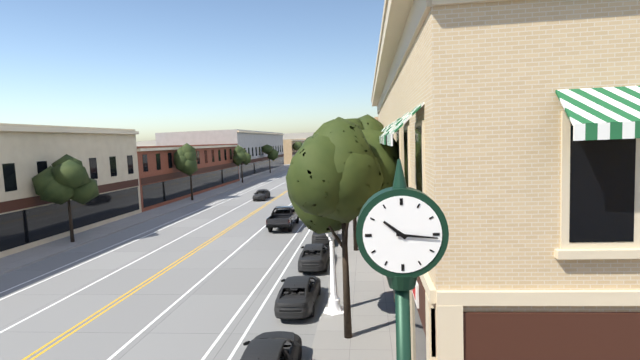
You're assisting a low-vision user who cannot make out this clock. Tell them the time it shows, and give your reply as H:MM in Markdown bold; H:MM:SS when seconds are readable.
**10:16**
